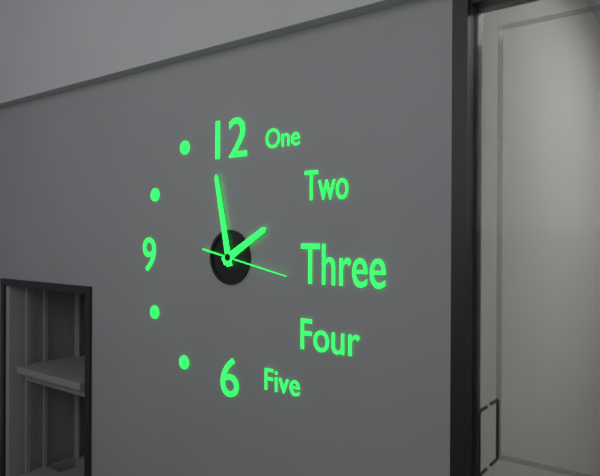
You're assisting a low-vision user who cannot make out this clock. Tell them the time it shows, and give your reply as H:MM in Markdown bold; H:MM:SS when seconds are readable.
**1:58:17**
